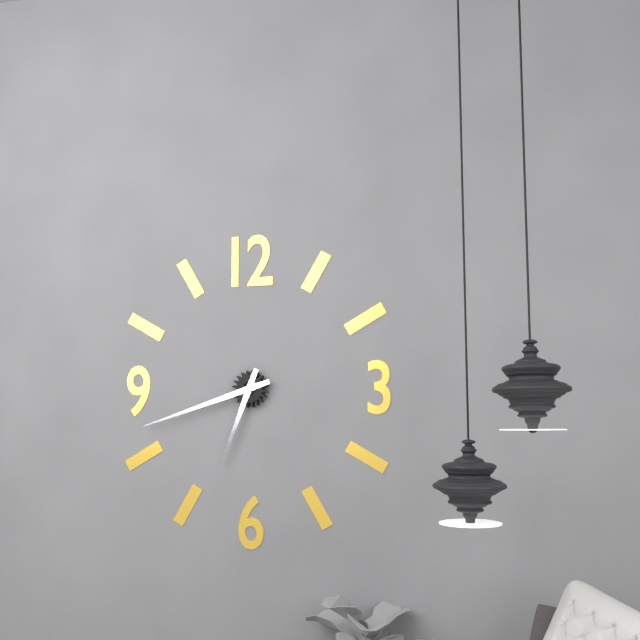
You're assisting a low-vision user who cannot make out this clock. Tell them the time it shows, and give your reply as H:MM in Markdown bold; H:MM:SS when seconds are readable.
**6:42**
